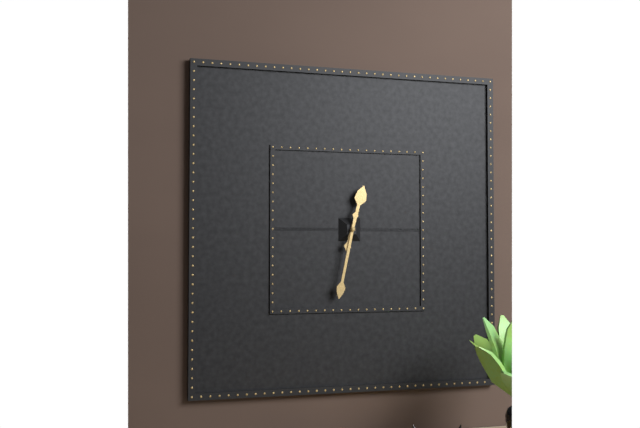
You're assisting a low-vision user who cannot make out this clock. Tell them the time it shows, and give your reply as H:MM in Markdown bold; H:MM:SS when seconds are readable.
**12:32**
